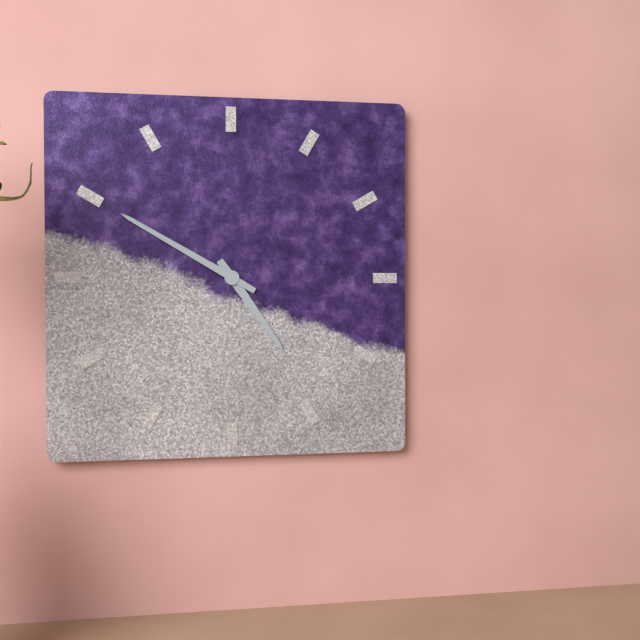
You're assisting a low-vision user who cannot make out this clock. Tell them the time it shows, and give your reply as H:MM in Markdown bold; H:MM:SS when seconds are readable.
**4:50**
